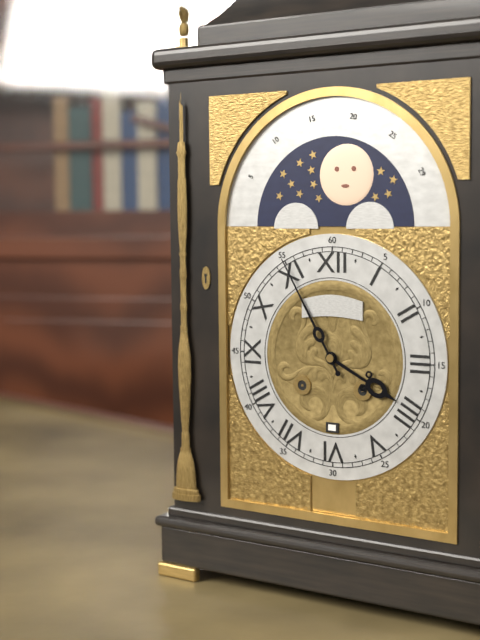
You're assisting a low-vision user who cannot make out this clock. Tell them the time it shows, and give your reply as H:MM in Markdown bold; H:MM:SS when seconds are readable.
**3:55**
